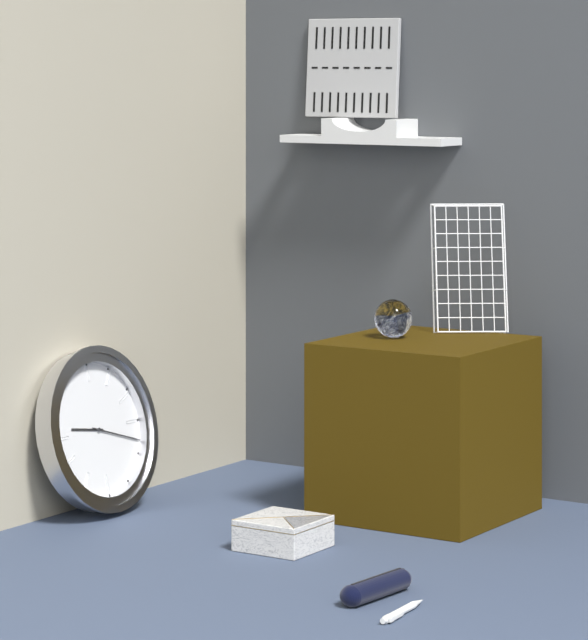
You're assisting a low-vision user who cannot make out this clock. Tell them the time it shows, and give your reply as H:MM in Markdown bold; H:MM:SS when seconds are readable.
**9:18**
